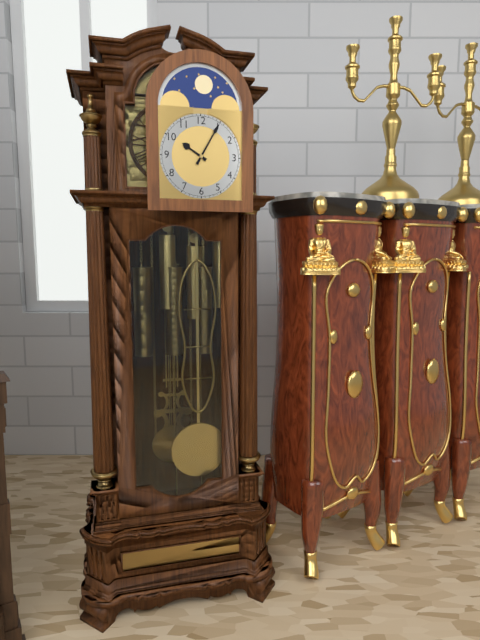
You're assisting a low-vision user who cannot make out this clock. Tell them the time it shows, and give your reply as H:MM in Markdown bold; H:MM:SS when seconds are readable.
**10:05**
